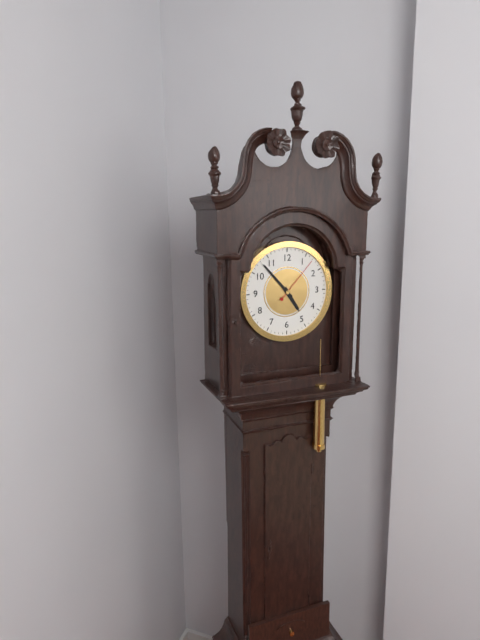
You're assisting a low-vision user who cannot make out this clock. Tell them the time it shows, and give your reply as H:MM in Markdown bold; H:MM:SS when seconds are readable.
**4:53:07**
